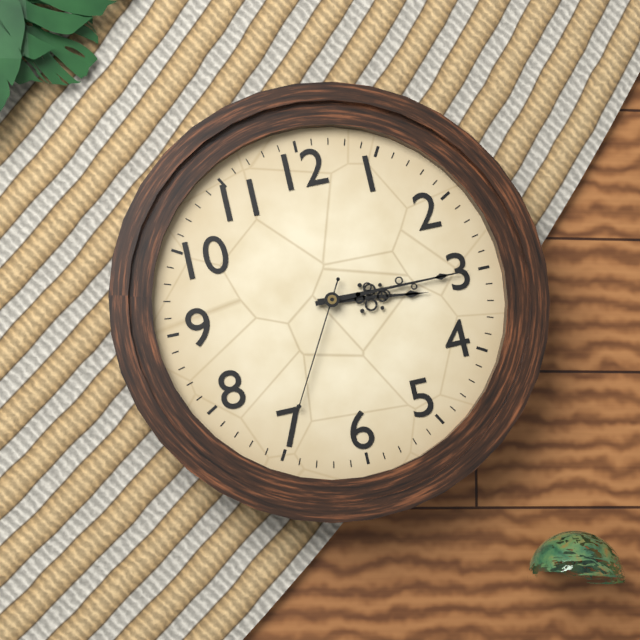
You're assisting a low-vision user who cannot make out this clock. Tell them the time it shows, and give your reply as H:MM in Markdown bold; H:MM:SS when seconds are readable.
**3:15:35**
